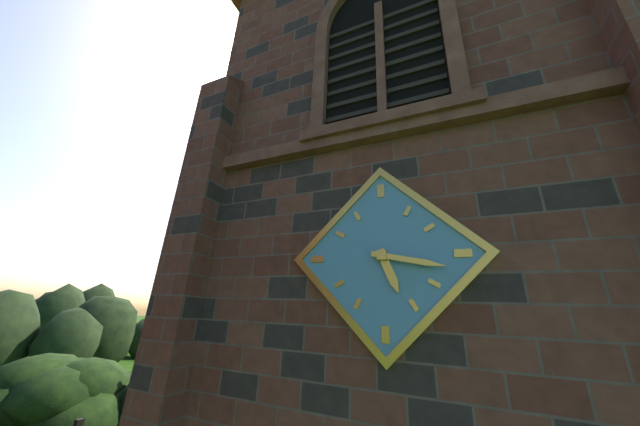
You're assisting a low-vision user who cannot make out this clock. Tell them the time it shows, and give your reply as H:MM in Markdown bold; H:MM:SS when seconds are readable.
**5:17**
